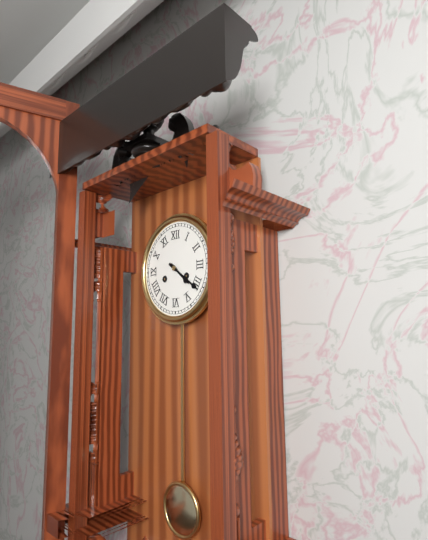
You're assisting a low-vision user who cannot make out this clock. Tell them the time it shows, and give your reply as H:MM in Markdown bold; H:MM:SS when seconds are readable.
**4:21**
